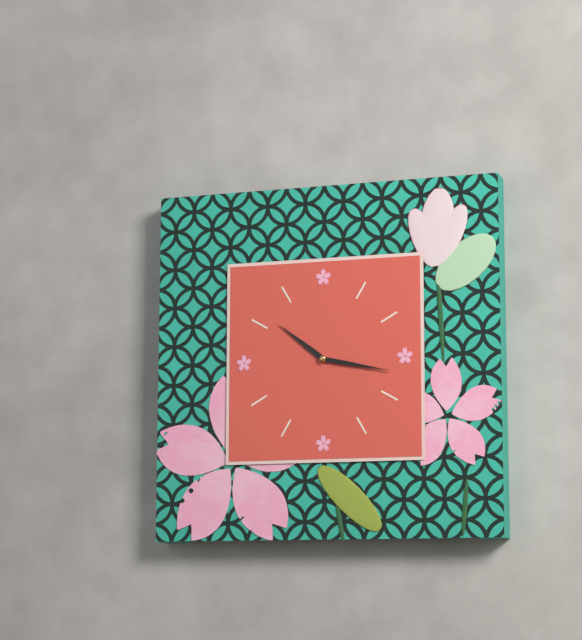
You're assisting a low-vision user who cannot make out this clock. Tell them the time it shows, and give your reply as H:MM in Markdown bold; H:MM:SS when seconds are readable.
**10:17**
